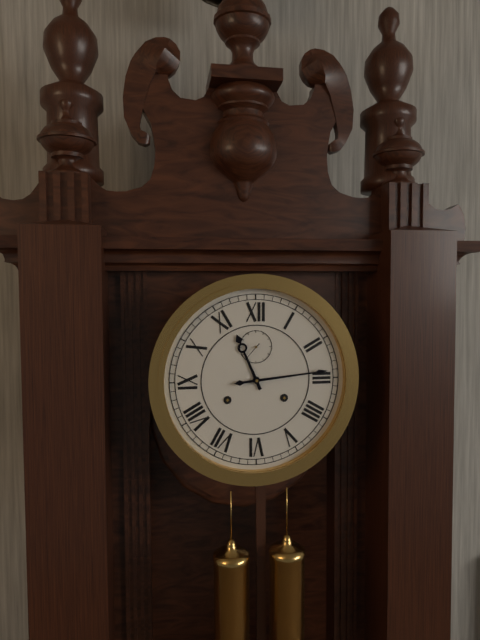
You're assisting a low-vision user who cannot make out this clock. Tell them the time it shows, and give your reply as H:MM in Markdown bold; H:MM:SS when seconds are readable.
**11:14**
